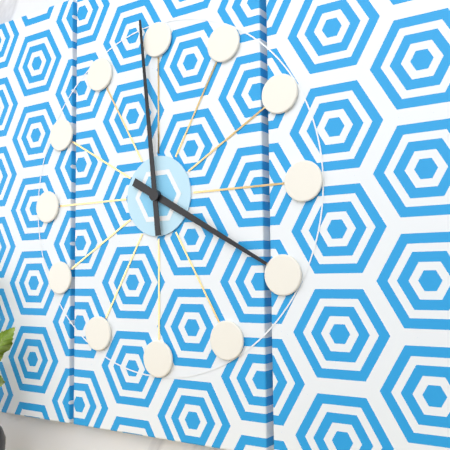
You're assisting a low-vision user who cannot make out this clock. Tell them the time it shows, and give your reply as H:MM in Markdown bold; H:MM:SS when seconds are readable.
**3:59**
